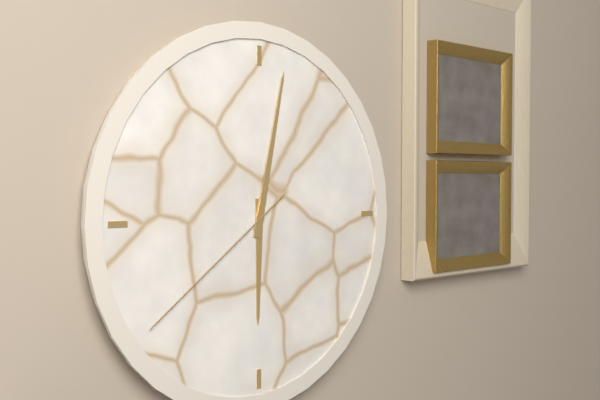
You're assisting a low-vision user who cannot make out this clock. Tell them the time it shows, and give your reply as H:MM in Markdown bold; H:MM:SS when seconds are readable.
**6:02:39**
